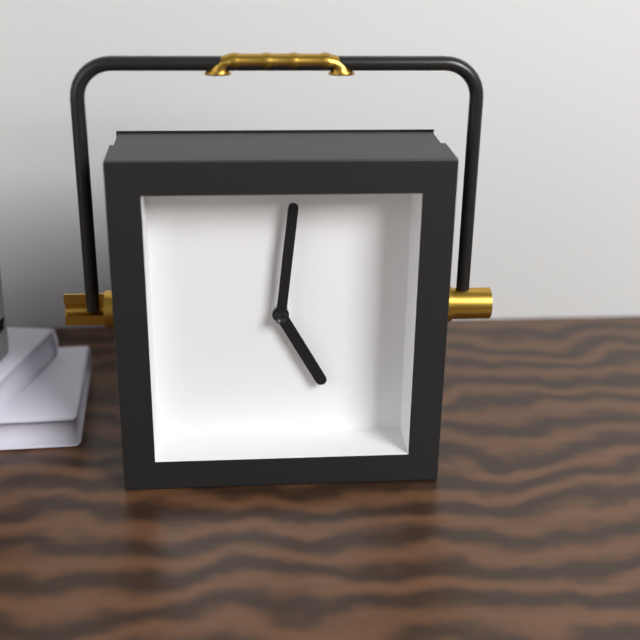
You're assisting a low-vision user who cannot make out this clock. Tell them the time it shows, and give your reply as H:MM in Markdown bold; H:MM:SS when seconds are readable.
**5:01**
